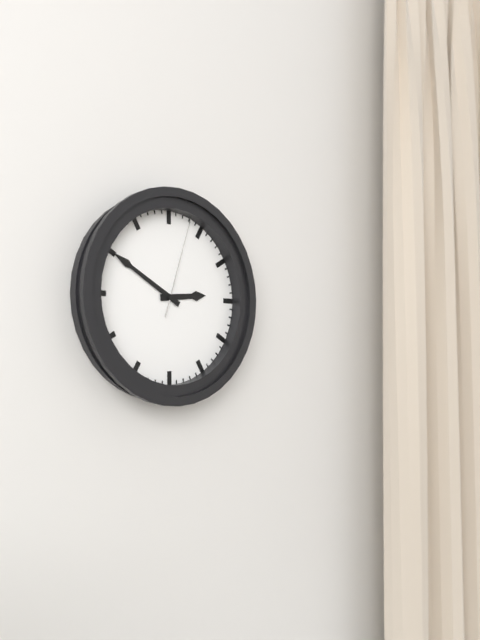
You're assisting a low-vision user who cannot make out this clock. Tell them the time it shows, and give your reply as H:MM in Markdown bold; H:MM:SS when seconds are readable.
**2:50:03**
